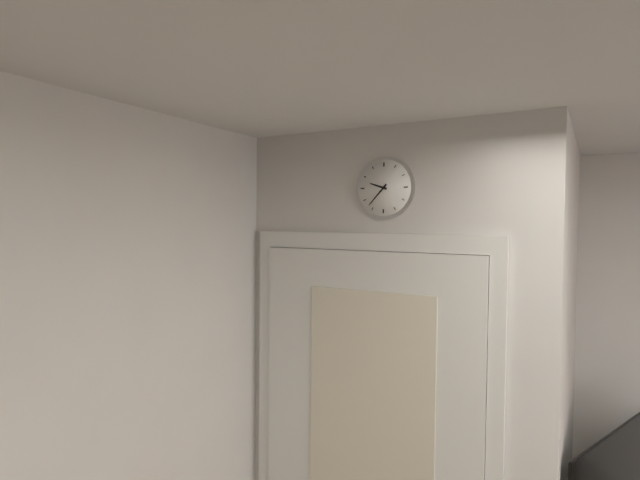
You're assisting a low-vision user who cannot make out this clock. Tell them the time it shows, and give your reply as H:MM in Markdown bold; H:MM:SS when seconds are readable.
**9:37**
